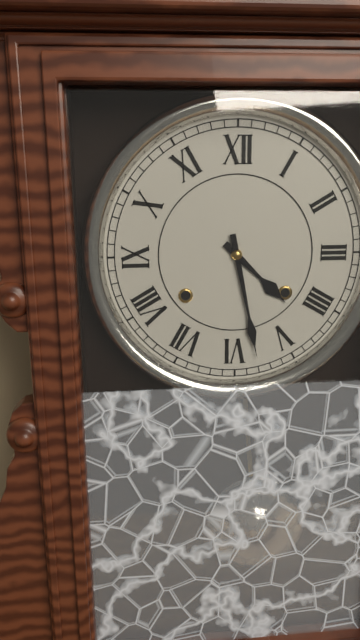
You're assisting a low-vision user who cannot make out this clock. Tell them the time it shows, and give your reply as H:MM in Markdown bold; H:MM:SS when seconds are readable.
**4:28**
